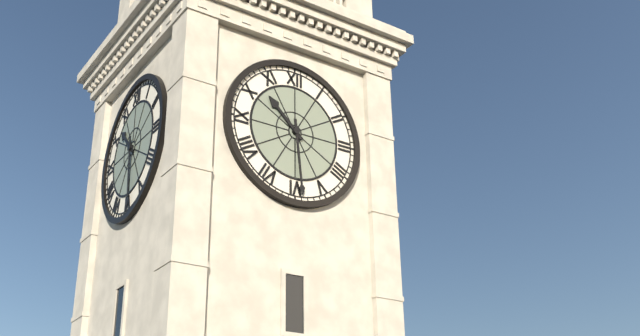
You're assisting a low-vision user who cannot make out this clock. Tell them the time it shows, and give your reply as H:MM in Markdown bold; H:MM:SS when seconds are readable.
**10:29**
